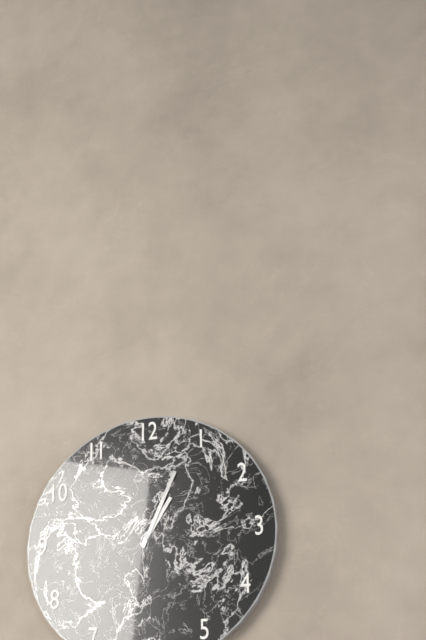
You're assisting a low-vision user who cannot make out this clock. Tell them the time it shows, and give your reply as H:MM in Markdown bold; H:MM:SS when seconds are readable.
**1:04**
